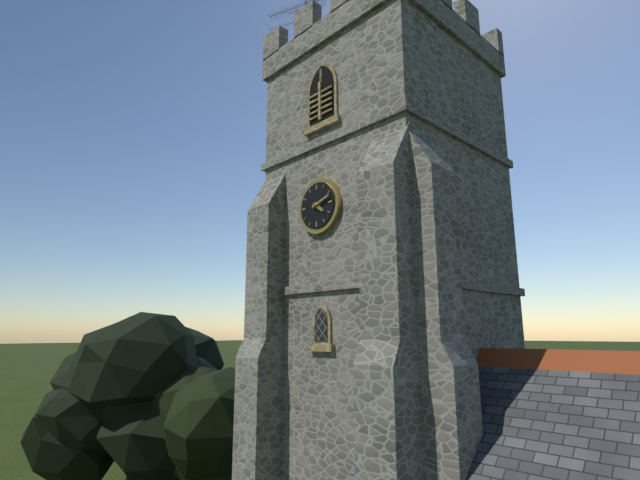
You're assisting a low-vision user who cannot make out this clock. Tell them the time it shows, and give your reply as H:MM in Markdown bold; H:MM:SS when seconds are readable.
**4:12**
